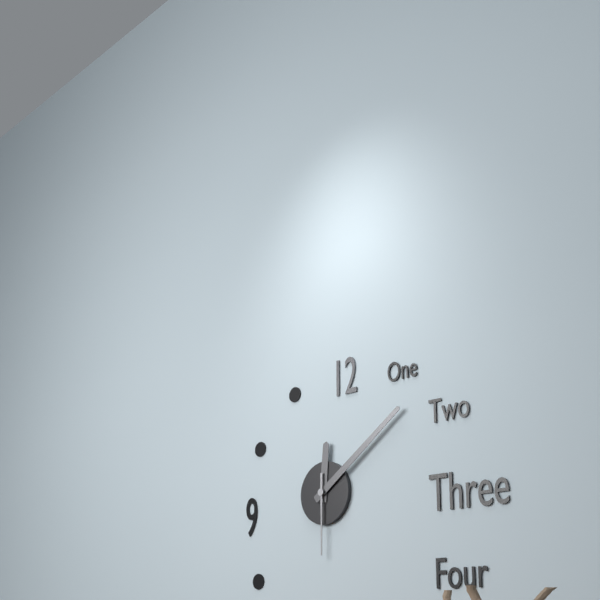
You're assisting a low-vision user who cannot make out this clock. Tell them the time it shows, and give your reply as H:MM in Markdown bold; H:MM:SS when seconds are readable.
**12:09:30**
